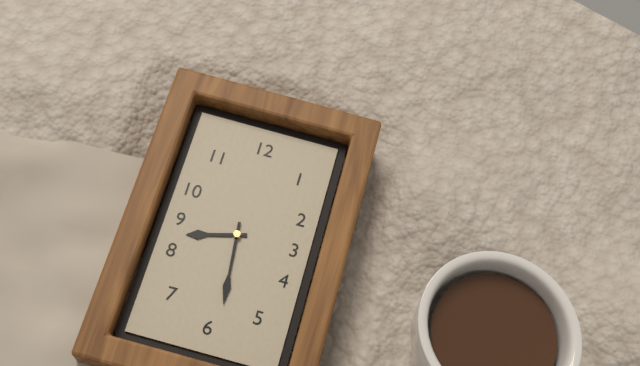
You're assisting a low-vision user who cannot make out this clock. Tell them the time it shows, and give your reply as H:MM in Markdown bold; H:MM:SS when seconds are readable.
**8:29**
